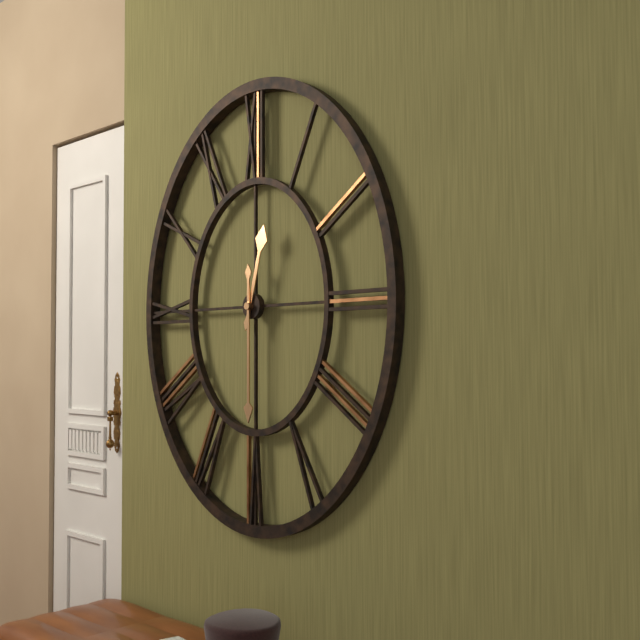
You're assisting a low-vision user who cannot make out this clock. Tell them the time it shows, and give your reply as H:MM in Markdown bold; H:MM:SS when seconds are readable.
**12:30**
